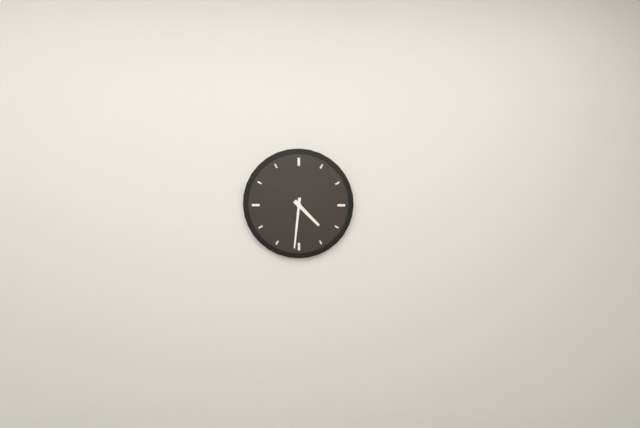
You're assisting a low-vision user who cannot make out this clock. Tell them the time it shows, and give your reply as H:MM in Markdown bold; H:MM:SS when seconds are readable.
**4:31**
